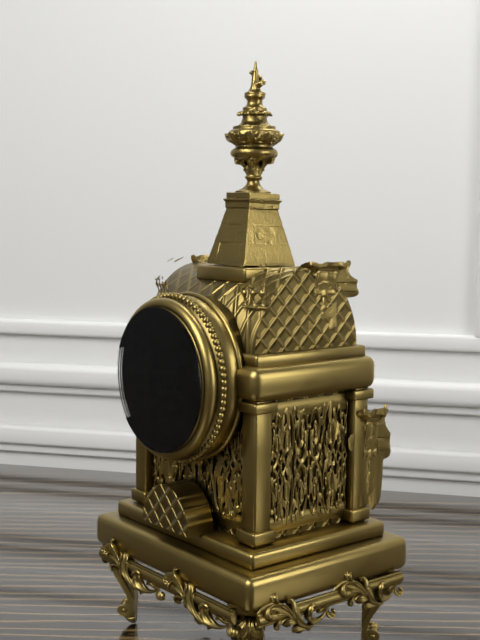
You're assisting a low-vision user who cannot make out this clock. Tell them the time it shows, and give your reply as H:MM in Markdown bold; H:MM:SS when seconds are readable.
**2:27**
